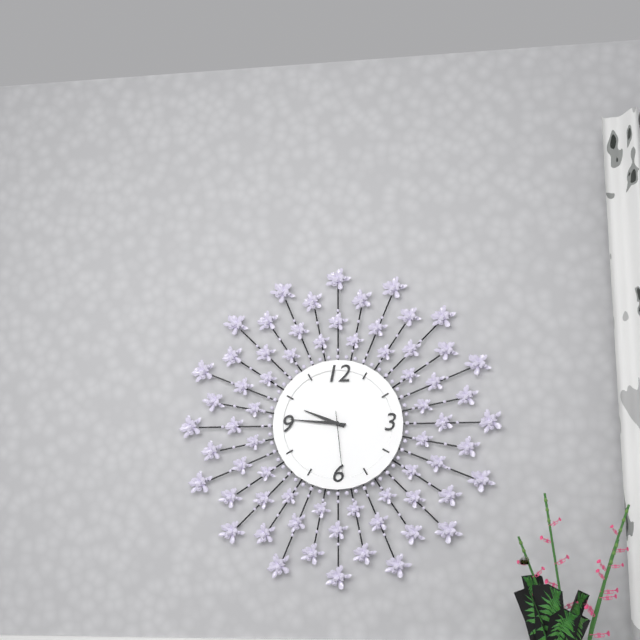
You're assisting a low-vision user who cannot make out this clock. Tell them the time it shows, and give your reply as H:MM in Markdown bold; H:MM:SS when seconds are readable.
**9:46:29**
